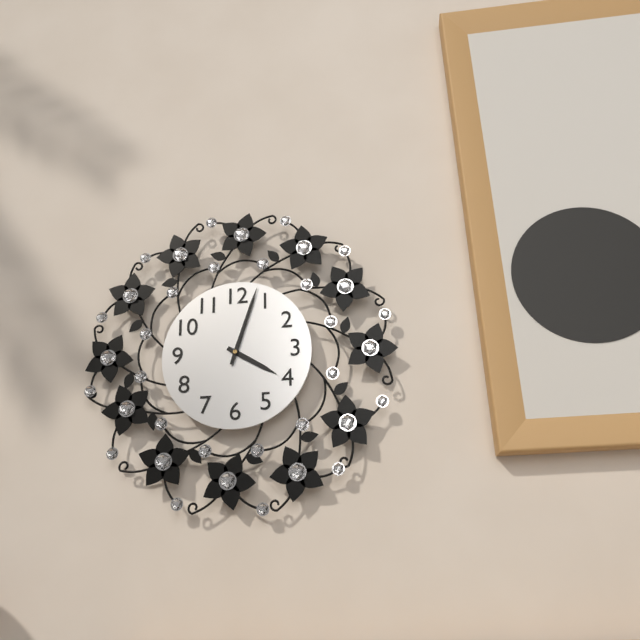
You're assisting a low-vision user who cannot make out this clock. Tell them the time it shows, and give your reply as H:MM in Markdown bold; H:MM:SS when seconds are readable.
**4:03**
